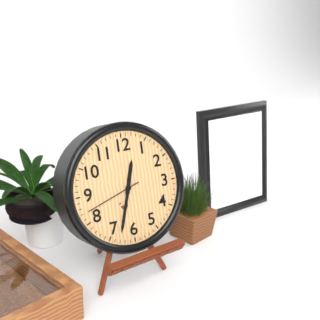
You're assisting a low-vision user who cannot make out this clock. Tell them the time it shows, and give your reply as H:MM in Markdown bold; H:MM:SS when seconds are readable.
**12:33:42**
